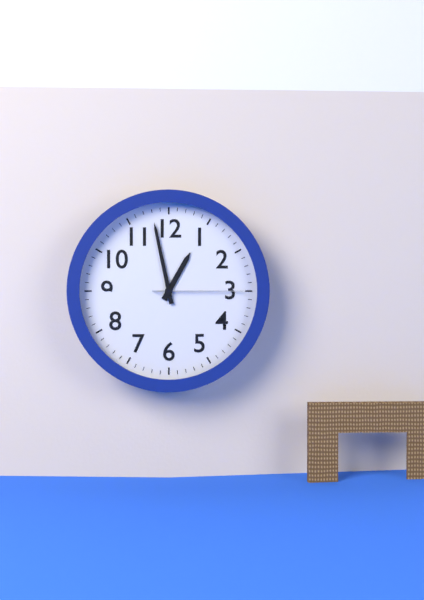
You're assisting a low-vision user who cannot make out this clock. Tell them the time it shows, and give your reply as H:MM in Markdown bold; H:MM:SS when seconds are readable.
**12:58:15**
